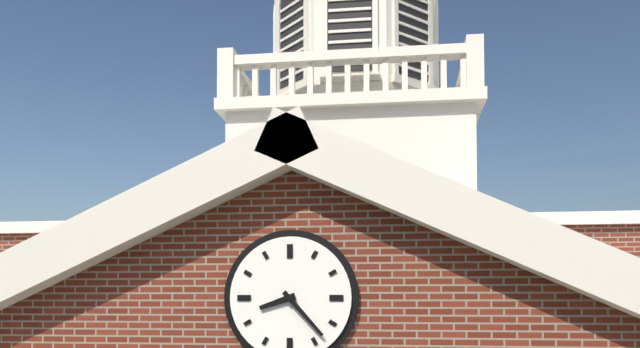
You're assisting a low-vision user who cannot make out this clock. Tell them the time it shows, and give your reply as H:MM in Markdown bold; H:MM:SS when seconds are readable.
**8:23**
